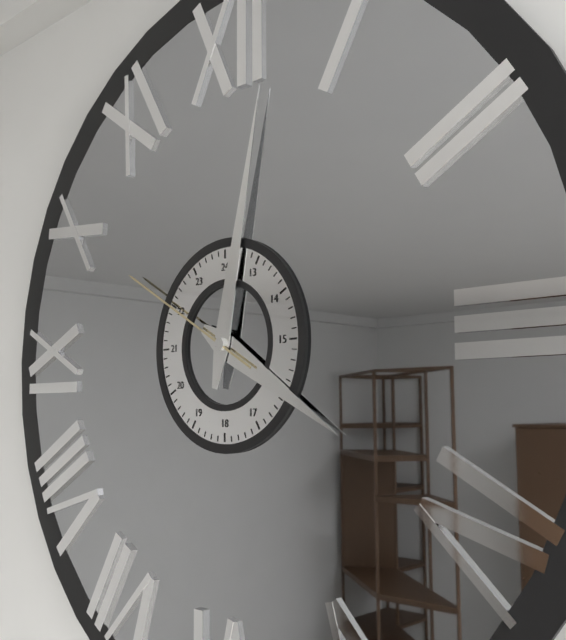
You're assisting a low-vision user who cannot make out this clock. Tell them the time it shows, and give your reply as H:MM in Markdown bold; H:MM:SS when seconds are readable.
**4:02:50**
